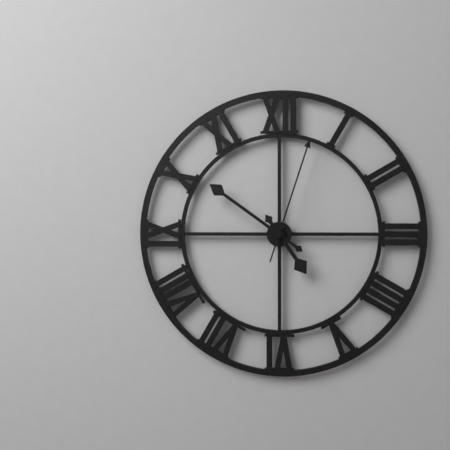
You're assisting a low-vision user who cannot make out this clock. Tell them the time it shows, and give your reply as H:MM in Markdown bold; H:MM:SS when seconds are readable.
**4:51:03**
